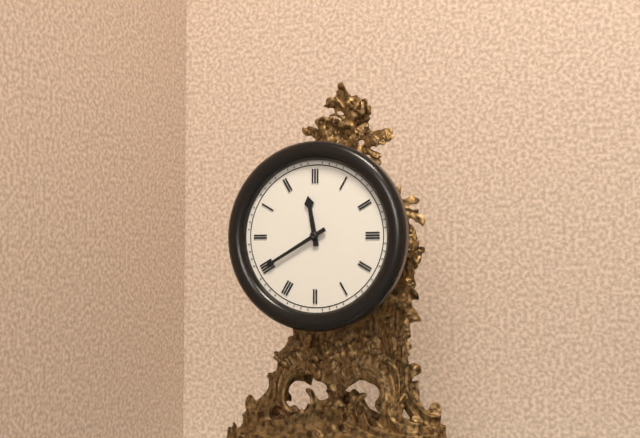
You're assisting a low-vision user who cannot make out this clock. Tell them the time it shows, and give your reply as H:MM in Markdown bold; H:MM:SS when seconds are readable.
**11:40**
